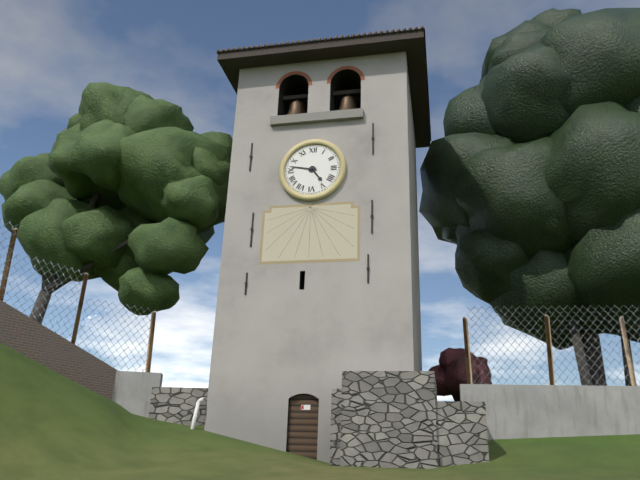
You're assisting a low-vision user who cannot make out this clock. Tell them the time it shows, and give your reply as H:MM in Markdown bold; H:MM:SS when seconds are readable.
**4:47**
